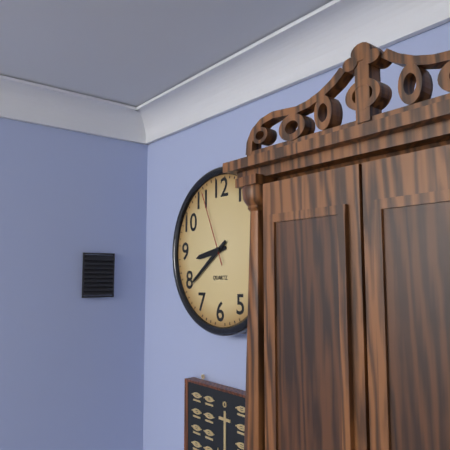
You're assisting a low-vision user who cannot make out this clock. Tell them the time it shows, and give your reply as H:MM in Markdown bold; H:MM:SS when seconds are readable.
**8:39:56**
